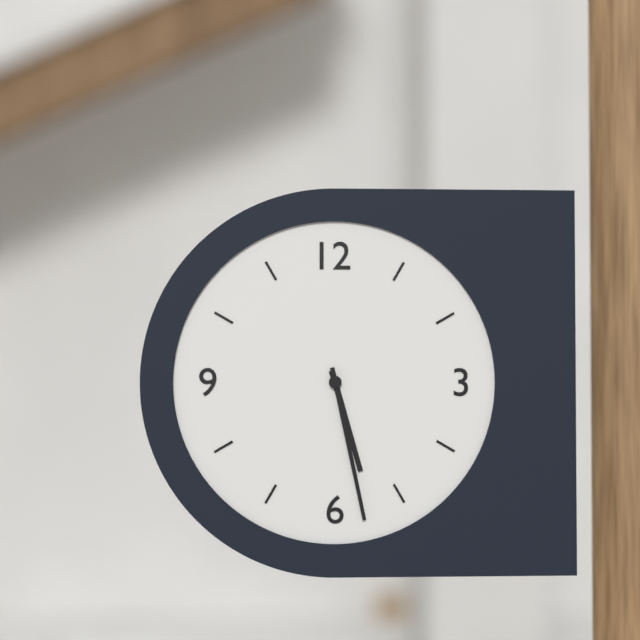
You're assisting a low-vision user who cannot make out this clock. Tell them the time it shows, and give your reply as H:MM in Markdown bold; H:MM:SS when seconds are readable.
**5:28**
